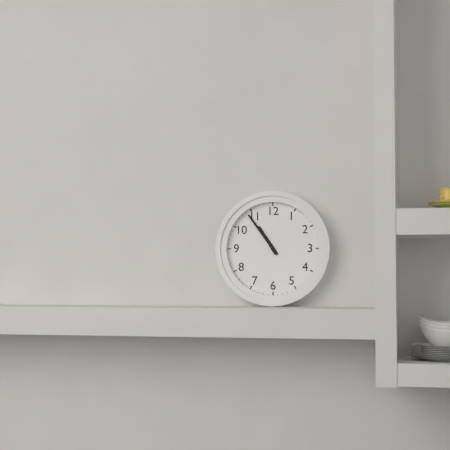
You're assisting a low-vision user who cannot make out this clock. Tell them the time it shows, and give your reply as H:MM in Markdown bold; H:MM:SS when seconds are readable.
**10:54**
